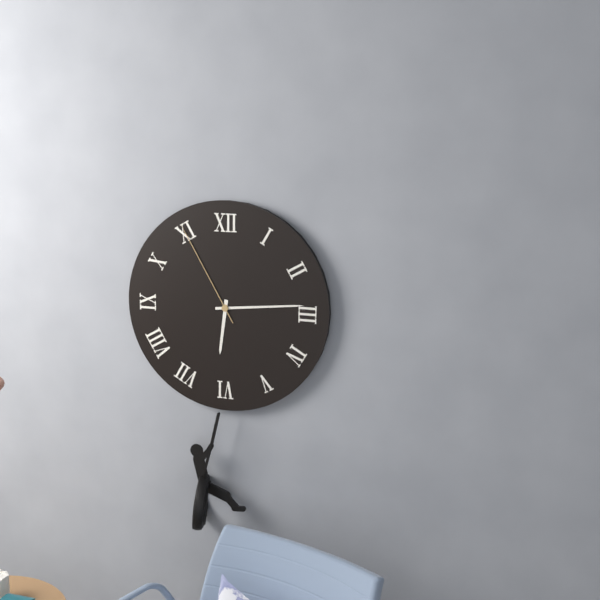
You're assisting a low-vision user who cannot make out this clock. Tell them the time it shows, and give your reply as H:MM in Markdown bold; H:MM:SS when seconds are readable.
**6:14:55**
